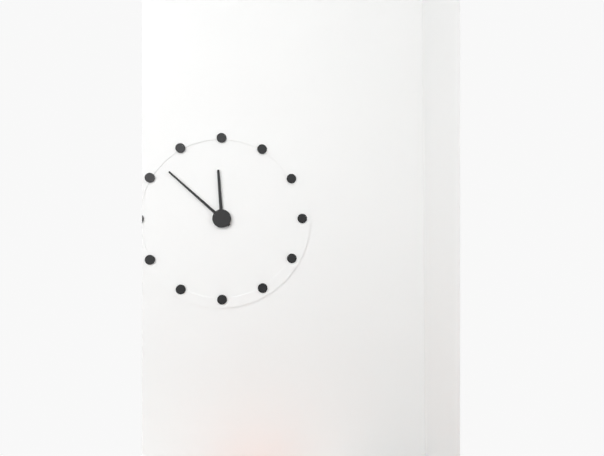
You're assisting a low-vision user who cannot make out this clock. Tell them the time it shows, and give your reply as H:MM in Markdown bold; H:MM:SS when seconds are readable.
**11:52**
